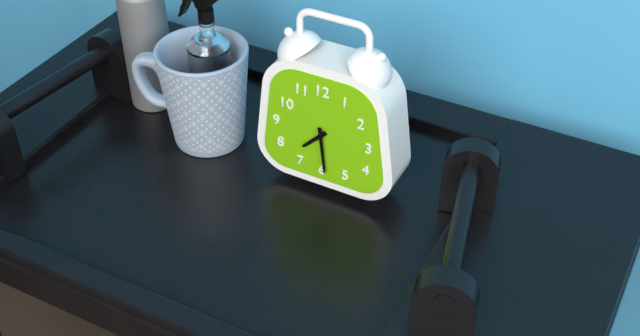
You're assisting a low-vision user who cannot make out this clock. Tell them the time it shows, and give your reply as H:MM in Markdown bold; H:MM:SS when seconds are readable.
**7:29**
